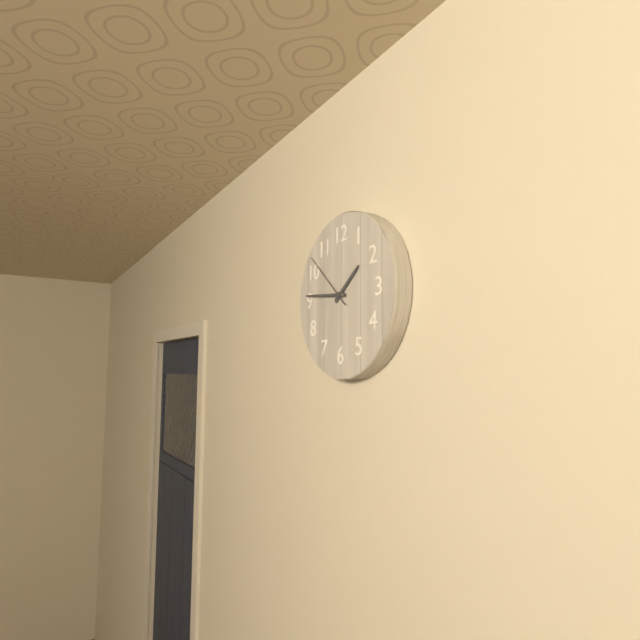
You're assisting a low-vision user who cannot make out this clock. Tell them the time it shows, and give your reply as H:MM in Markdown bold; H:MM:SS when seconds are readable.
**1:46:52**
